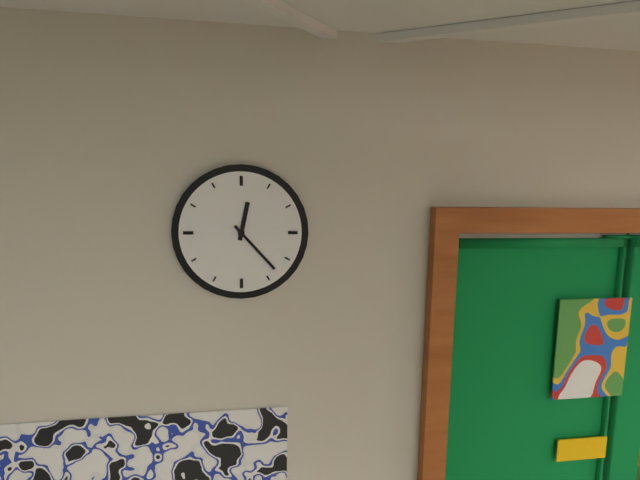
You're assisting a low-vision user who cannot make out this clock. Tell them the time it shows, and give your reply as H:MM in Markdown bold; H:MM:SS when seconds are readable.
**12:23**
